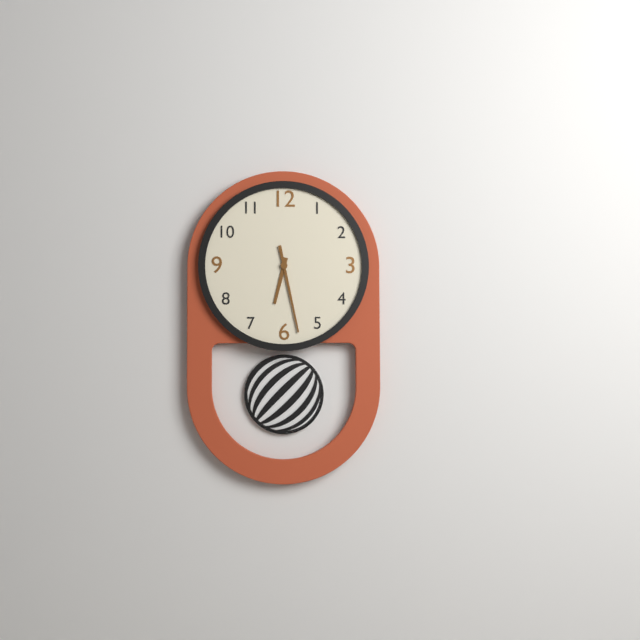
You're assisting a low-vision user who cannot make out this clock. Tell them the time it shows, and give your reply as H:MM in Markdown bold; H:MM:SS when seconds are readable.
**6:28**
